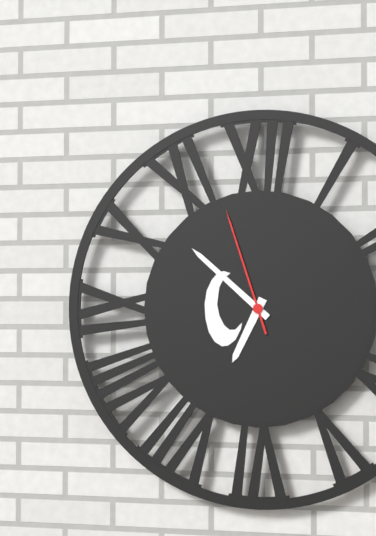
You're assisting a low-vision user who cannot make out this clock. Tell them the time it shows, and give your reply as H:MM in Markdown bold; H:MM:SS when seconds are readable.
**6:52:57**
